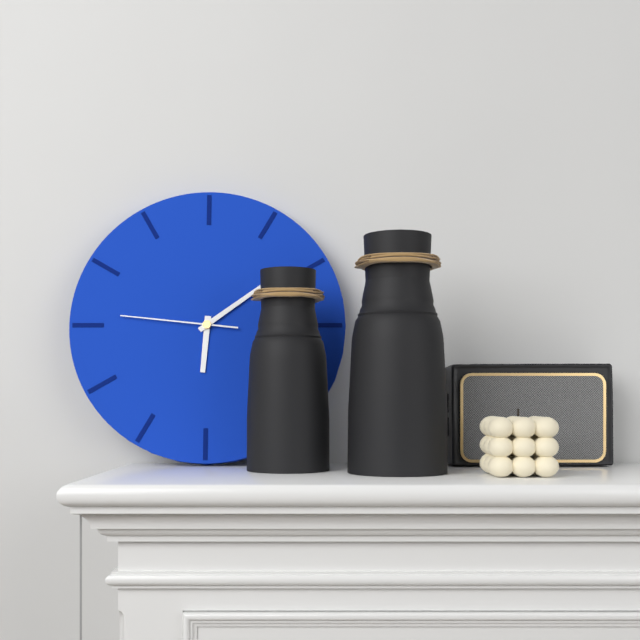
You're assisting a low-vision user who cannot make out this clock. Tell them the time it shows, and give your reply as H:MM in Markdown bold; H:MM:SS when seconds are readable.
**6:09:46**
